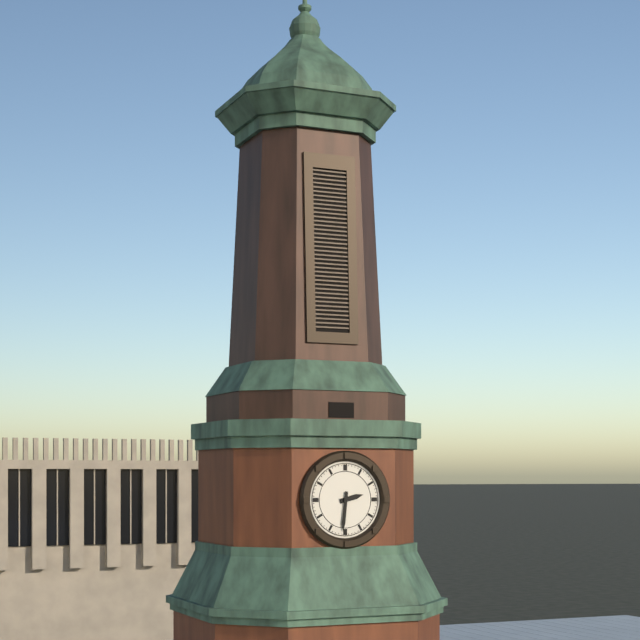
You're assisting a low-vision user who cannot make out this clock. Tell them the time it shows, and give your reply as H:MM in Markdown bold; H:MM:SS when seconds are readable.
**2:31**
